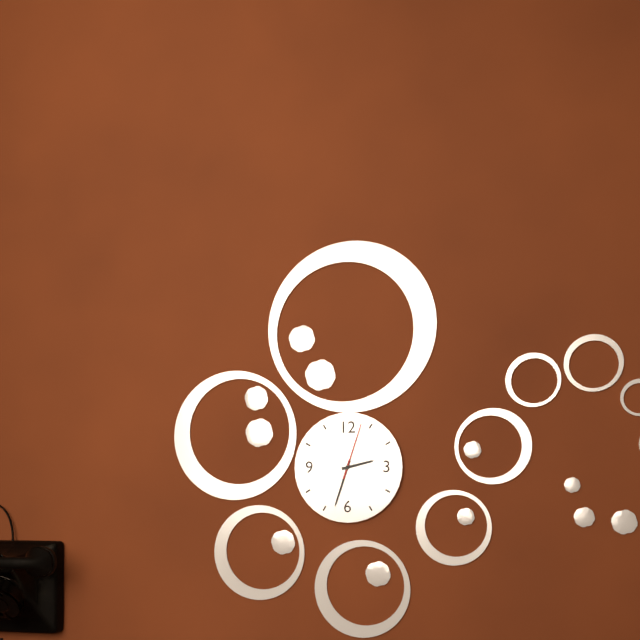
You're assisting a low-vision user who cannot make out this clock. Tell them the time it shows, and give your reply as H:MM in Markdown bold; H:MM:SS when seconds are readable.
**2:33:03**
